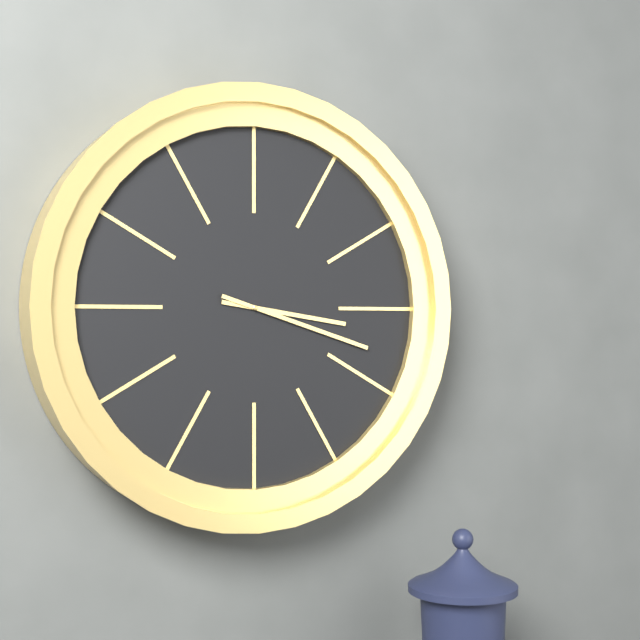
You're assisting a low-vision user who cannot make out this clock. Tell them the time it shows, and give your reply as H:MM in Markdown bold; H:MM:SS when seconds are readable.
**3:18**
